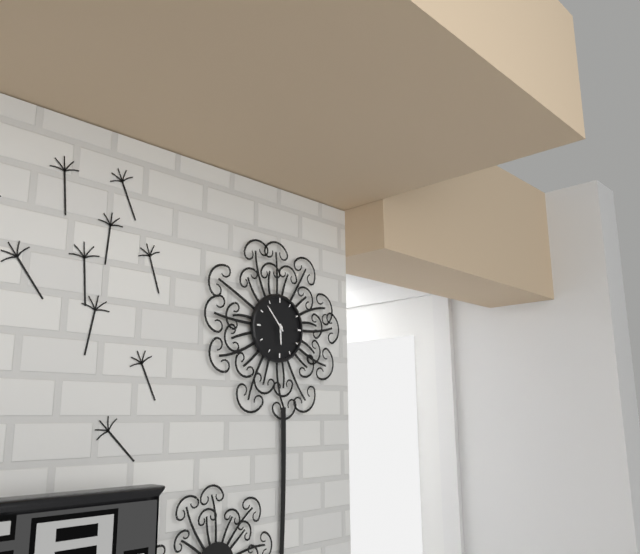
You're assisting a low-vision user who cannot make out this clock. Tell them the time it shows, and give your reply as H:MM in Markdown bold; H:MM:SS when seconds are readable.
**5:53**
